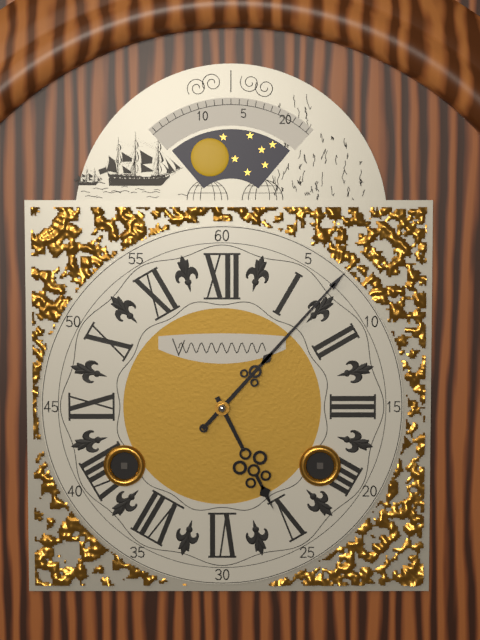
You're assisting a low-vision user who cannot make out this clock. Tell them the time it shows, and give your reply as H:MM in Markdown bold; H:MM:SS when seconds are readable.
**5:07**
